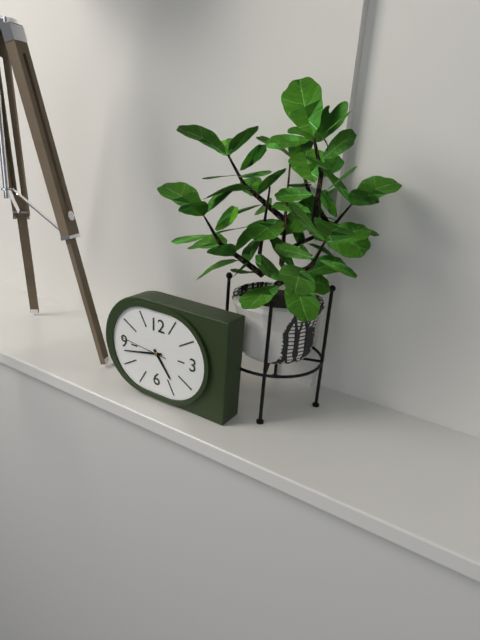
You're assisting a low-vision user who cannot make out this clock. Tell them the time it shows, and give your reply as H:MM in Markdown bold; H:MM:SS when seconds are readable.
**4:43**
